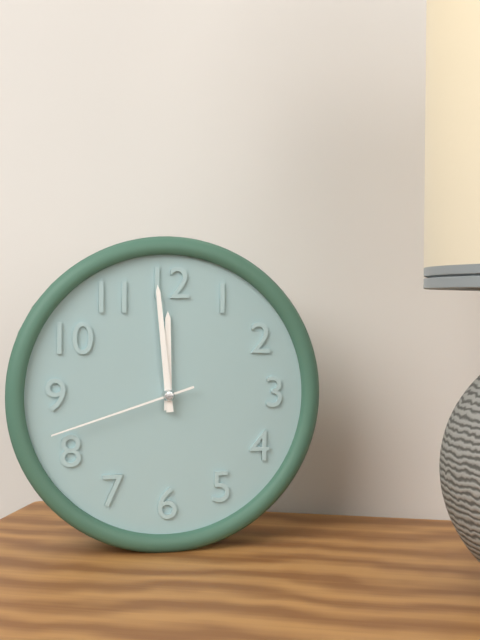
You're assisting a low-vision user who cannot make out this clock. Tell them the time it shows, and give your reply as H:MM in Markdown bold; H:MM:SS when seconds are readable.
**11:59:42**
